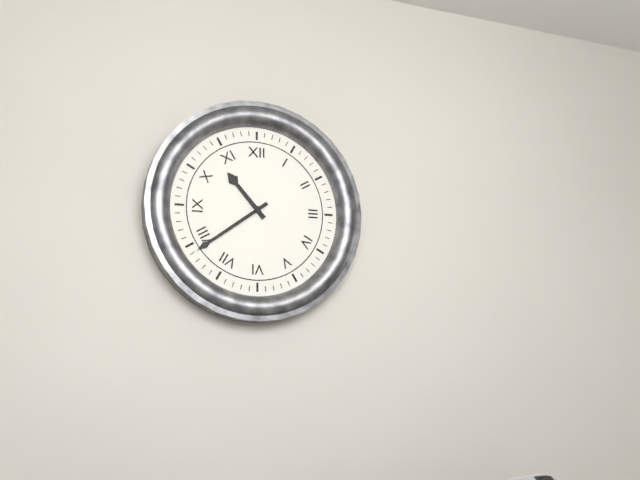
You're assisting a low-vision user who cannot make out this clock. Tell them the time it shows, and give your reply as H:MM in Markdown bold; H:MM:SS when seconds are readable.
**10:39**
